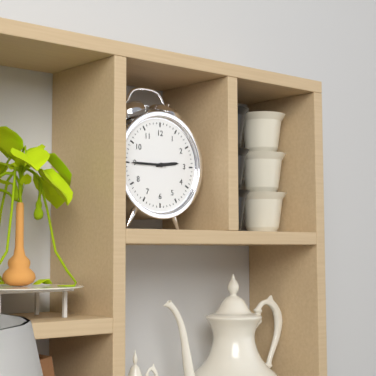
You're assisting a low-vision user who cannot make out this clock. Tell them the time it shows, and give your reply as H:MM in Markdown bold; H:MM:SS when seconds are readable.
**2:45**
